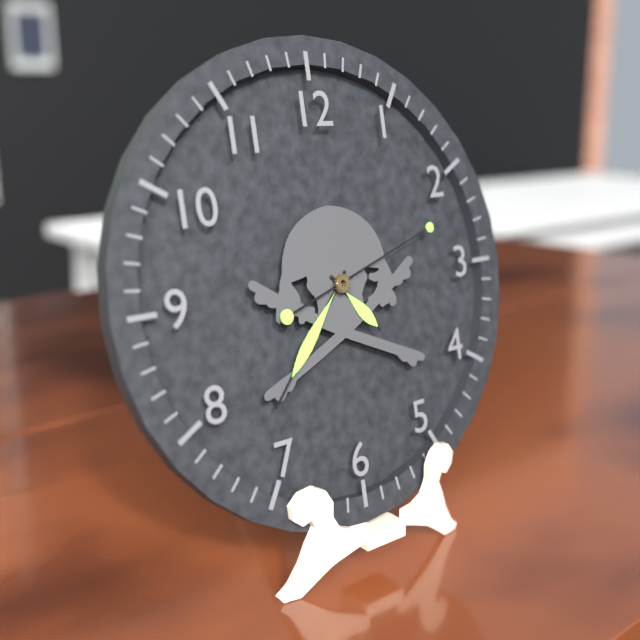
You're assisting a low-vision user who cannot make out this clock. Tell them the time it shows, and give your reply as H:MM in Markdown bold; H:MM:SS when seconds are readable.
**4:37:12**
